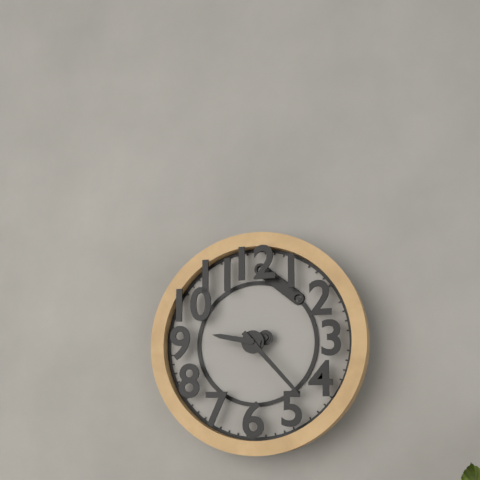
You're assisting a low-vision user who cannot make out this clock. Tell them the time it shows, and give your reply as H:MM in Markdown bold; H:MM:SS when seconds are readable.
**9:23**
